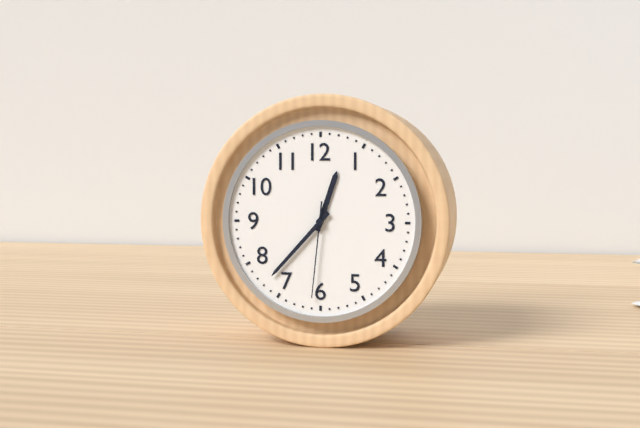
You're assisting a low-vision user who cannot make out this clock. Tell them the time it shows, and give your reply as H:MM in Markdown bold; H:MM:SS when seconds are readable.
**12:37:31**
